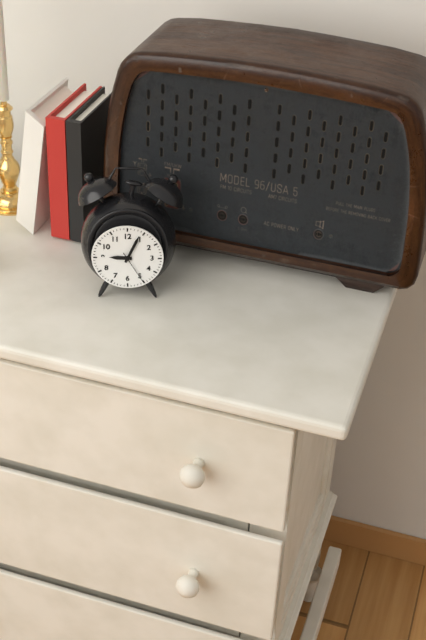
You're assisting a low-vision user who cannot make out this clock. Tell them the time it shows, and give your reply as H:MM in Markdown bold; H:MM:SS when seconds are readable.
**9:04**
